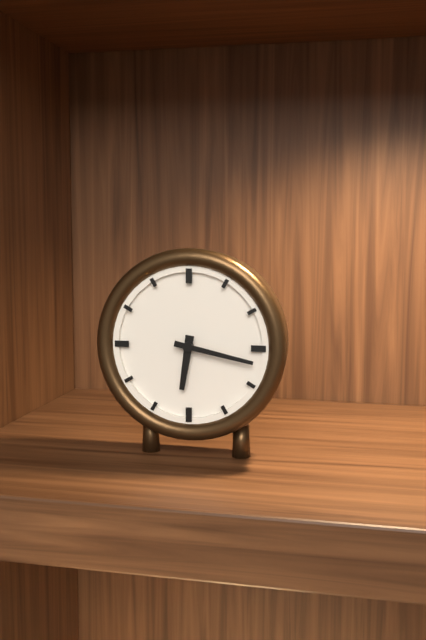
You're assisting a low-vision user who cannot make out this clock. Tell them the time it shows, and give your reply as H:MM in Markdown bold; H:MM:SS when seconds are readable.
**6:17**
